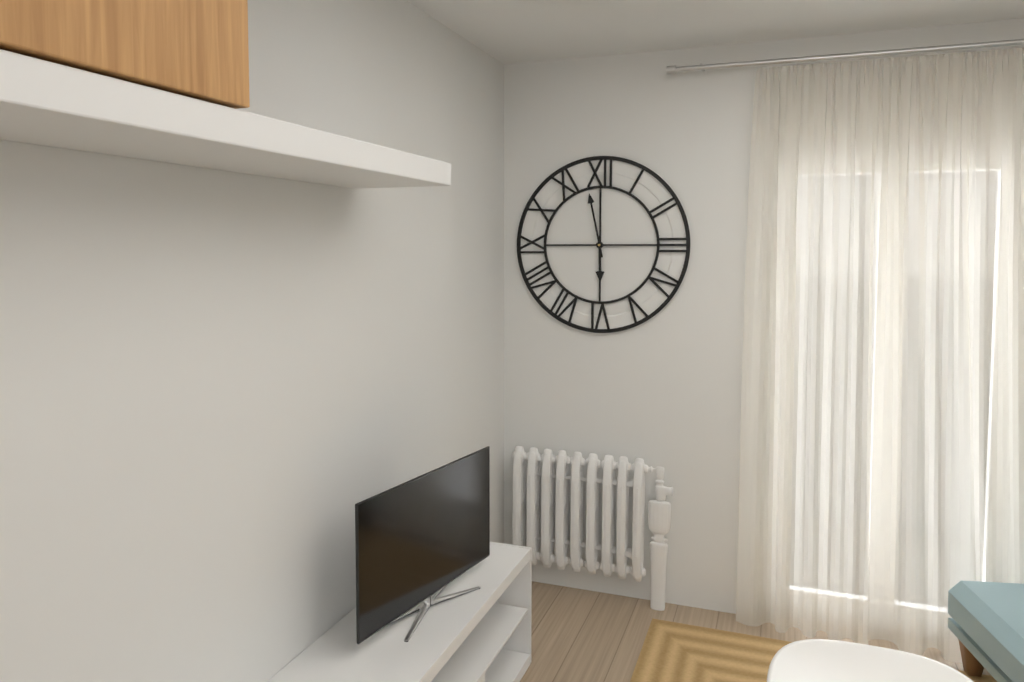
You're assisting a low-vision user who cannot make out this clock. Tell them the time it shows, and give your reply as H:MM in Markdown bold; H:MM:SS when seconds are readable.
**5:58**
